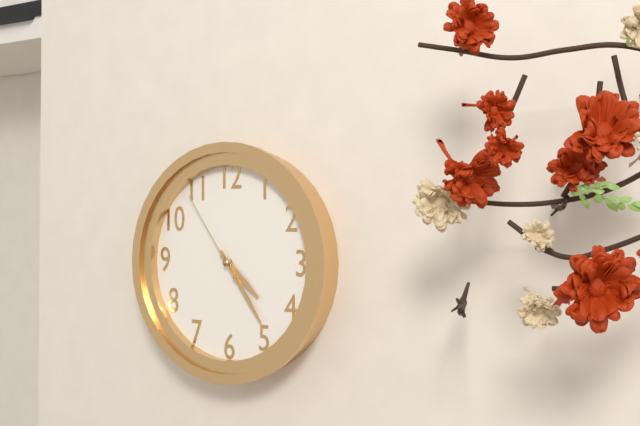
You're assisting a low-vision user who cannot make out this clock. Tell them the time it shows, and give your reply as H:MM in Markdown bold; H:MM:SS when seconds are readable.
**4:24:54**
